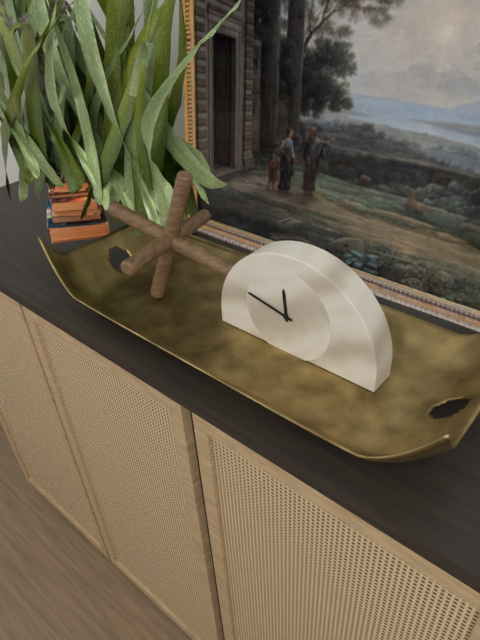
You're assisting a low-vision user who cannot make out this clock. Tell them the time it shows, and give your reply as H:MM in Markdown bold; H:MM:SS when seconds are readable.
**11:47**
